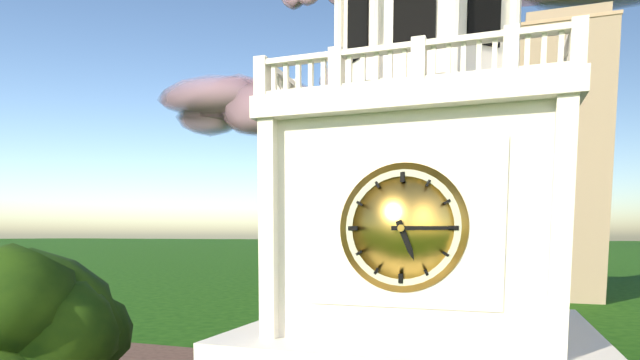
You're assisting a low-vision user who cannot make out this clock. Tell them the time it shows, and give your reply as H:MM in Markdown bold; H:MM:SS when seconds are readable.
**5:15**
